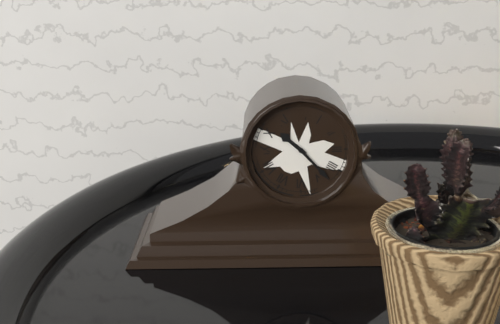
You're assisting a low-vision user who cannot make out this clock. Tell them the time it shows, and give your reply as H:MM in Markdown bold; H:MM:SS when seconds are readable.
**10:23**
